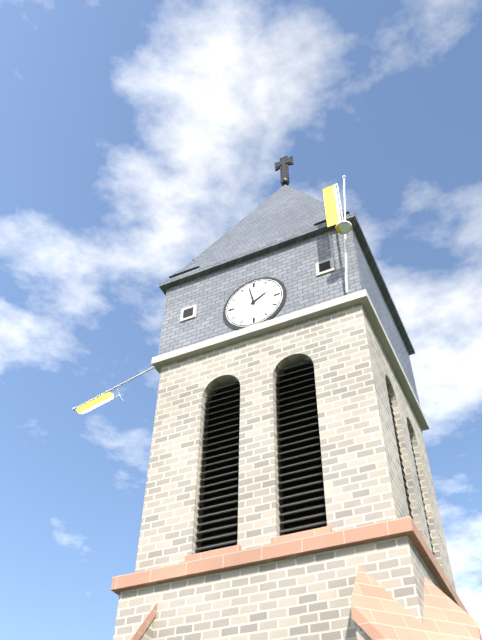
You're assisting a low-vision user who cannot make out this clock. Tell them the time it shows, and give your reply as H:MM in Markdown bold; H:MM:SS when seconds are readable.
**1:58**
